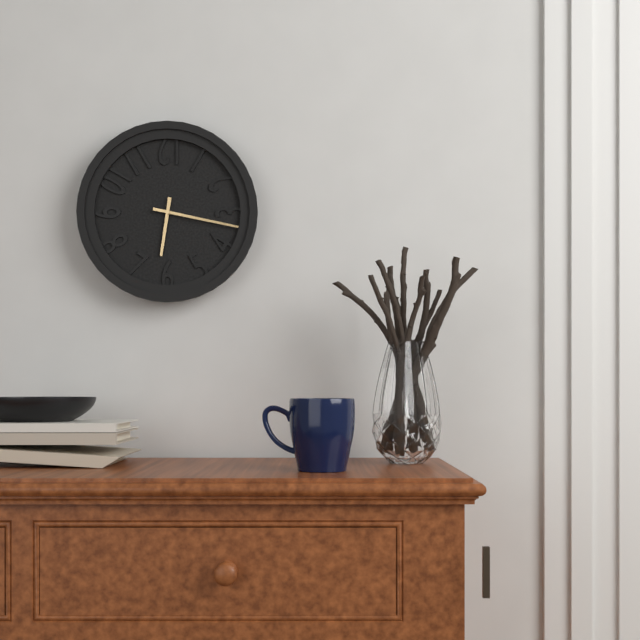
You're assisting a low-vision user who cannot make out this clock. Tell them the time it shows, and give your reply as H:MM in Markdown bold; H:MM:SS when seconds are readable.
**6:17**
